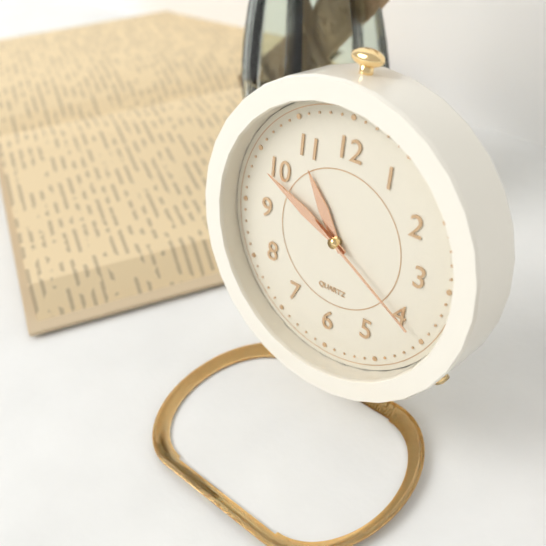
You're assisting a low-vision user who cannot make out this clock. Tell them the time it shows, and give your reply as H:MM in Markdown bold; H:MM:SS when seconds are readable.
**10:49:20**
